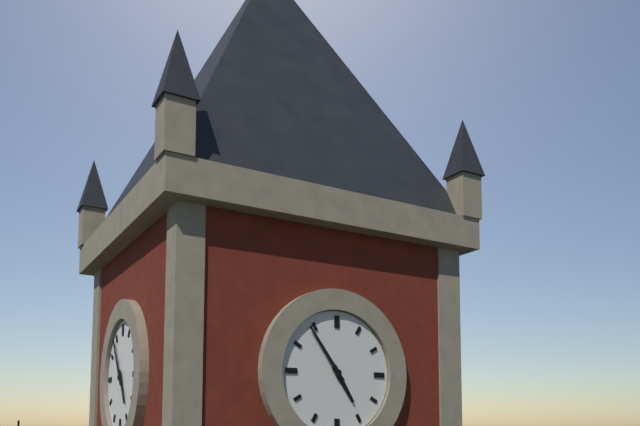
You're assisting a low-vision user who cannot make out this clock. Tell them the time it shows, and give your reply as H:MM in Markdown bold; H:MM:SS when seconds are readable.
**4:54**
